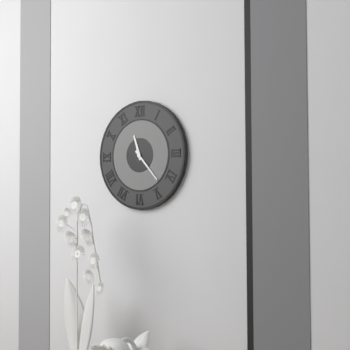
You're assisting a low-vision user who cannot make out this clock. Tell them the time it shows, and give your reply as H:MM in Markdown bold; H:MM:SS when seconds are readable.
**11:23**
